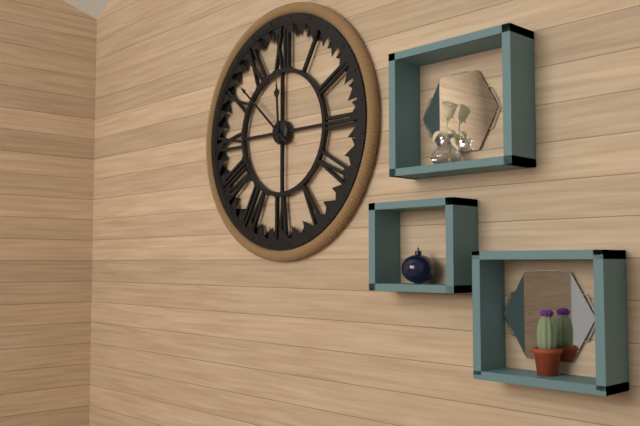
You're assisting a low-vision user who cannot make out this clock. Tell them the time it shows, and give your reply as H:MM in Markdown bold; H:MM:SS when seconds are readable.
**11:52**
